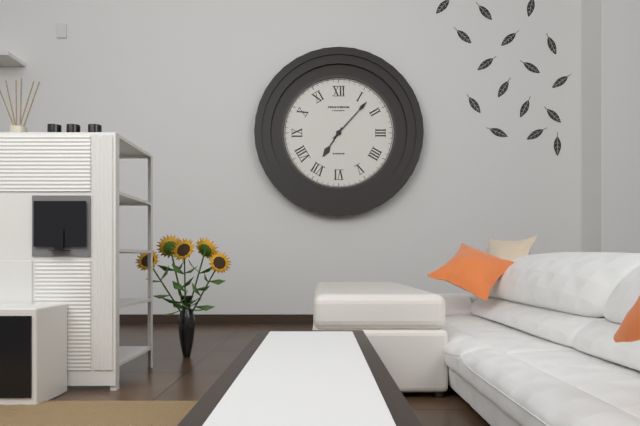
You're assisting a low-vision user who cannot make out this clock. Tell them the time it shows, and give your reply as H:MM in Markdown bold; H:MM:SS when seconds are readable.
**7:07**
